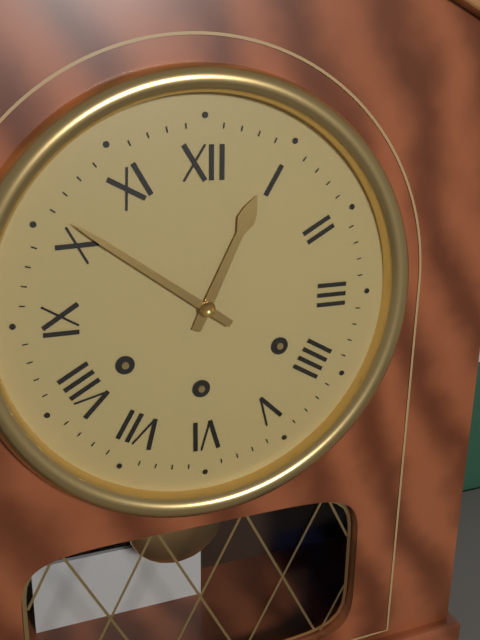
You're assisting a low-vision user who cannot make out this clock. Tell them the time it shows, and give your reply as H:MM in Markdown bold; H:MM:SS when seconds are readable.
**12:51**
